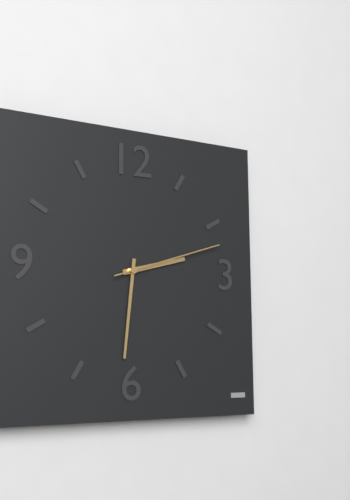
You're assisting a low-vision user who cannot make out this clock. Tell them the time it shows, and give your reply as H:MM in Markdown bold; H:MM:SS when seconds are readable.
**2:31:12**
